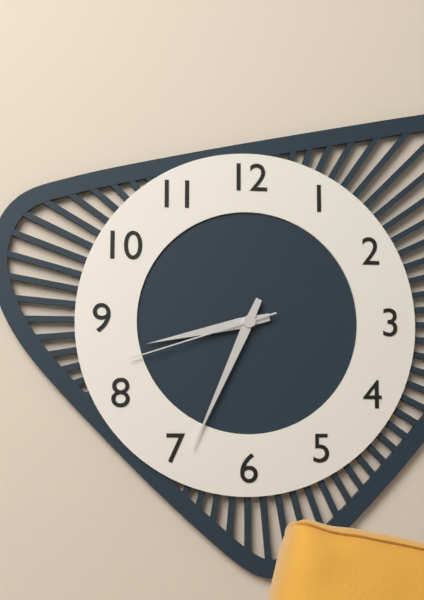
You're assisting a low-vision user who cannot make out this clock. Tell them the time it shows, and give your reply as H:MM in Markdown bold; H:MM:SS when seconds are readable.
**8:34:42**
